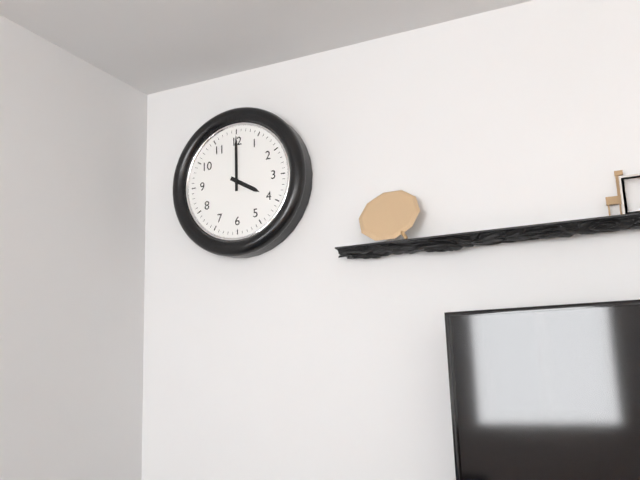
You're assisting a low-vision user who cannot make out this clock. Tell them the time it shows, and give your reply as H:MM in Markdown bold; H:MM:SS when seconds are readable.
**4:00**
